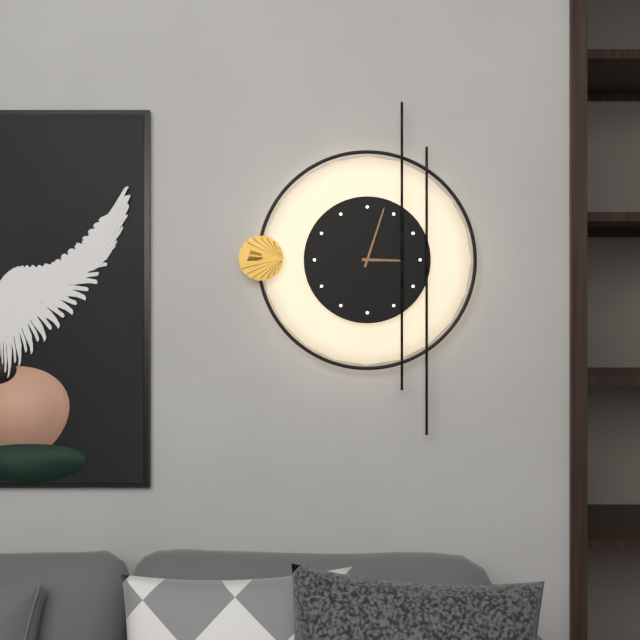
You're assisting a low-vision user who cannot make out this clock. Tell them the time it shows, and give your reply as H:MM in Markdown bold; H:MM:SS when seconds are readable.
**3:03**
